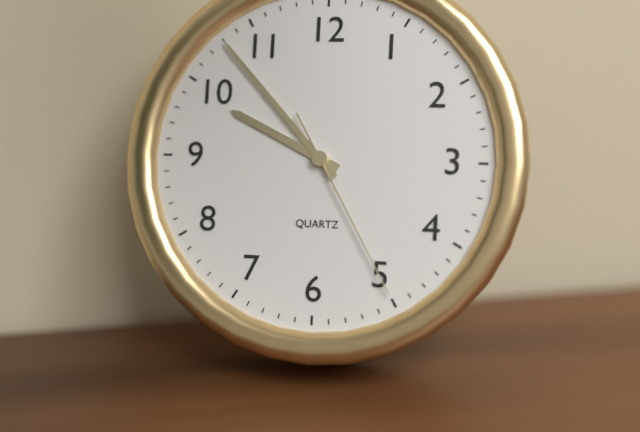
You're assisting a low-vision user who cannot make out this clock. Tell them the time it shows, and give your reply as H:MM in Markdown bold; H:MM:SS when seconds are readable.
**9:53:25**
